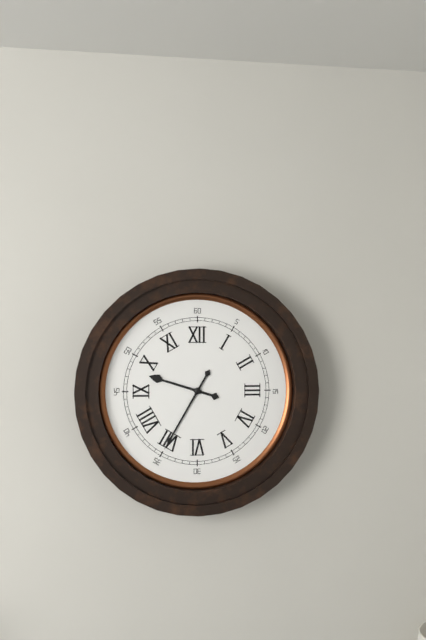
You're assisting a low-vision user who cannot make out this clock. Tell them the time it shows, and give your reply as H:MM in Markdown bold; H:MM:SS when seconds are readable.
**9:35**
